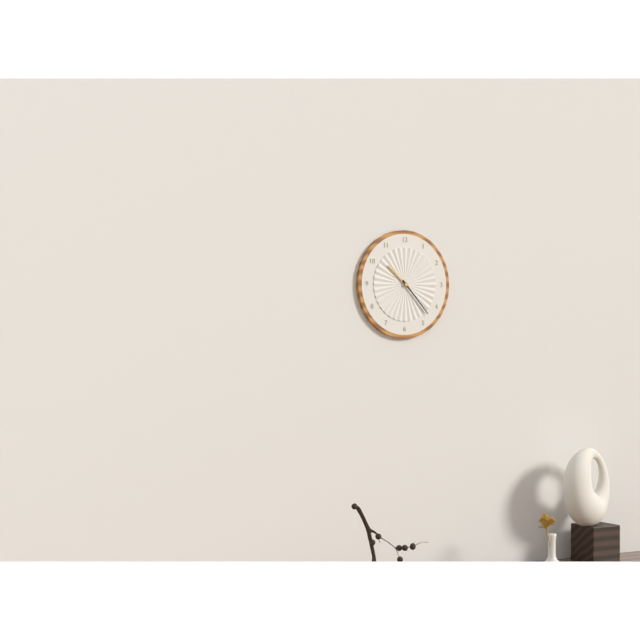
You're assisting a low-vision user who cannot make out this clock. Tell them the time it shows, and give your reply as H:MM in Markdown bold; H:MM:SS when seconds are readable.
**10:23**
